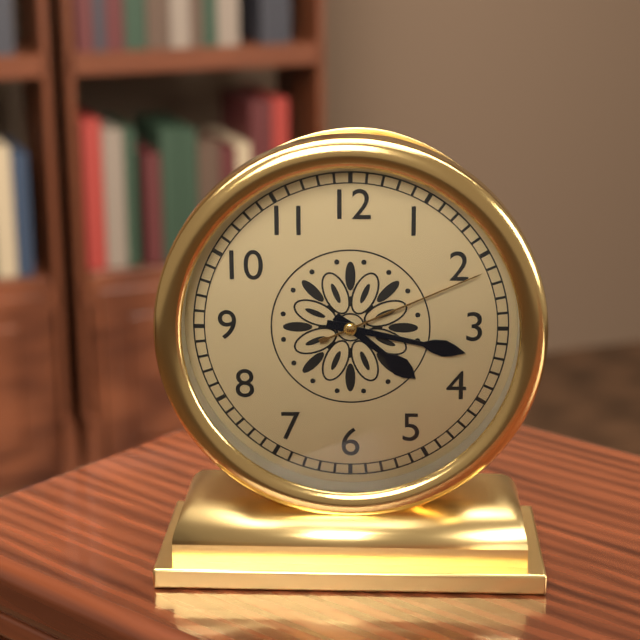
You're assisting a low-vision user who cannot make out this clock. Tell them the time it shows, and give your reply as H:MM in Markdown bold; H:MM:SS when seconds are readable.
**4:17:11**
